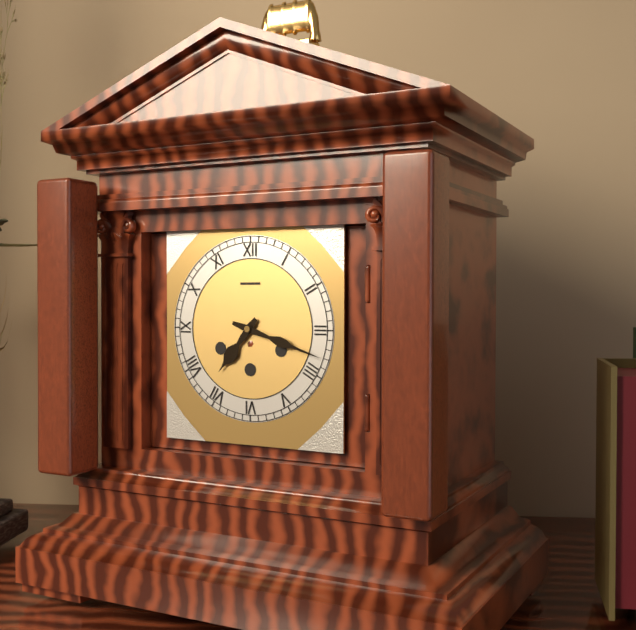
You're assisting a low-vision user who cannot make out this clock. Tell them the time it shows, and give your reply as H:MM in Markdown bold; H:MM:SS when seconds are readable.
**7:18**
